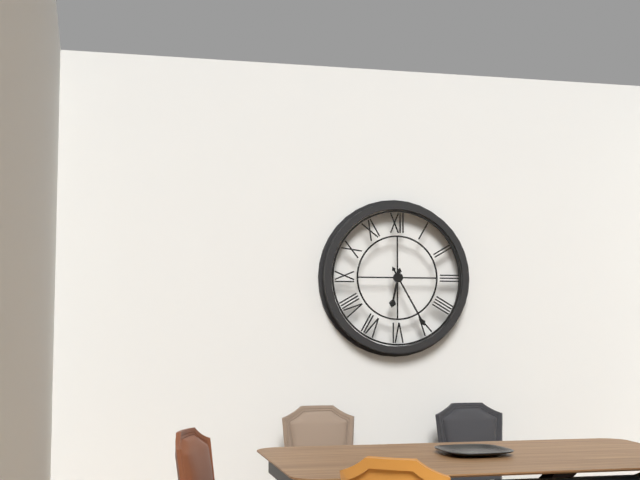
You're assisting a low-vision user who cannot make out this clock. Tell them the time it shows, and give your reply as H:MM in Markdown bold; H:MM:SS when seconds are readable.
**6:25**
